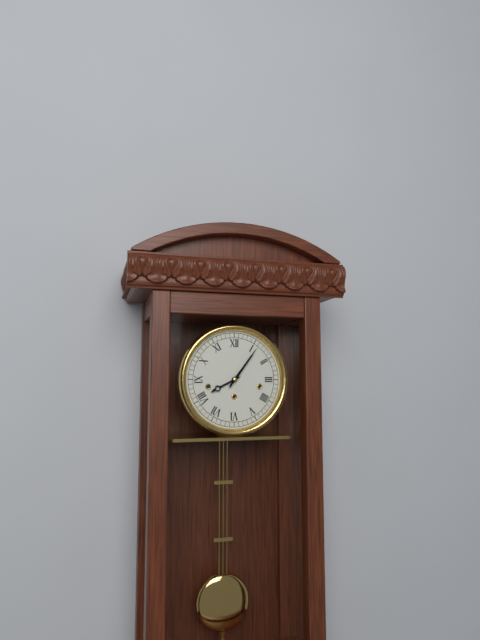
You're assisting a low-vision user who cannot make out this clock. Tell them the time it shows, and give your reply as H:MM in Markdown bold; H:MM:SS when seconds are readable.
**8:06**
